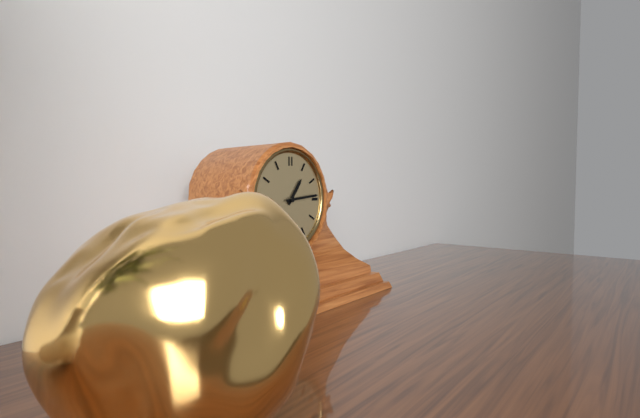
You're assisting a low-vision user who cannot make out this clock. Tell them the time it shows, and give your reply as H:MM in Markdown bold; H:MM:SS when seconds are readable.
**1:14**
